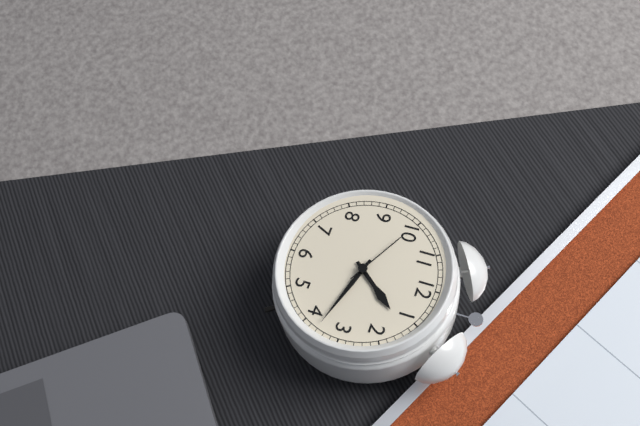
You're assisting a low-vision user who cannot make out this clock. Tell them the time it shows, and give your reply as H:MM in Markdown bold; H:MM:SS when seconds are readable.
**1:18:50**
